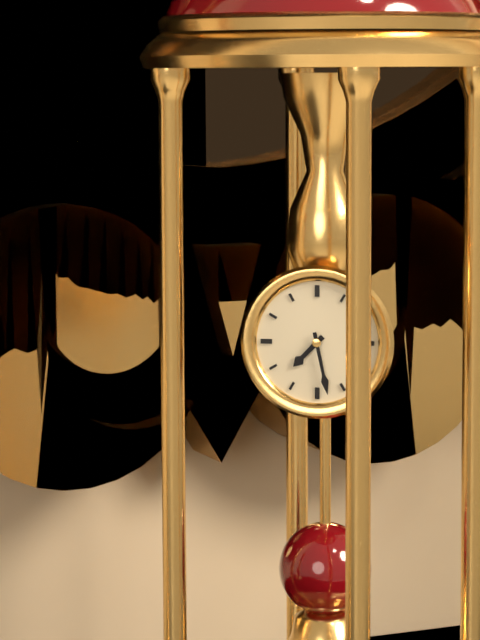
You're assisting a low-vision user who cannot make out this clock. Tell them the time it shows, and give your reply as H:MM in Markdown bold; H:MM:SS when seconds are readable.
**7:28**
